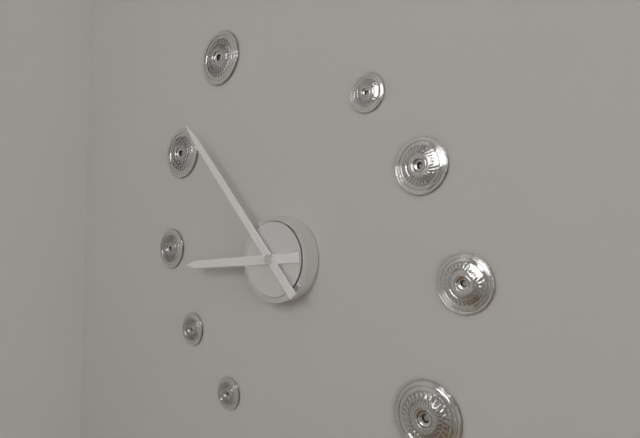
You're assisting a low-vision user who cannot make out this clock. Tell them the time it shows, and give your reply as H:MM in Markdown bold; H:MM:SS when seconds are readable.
**8:53**
